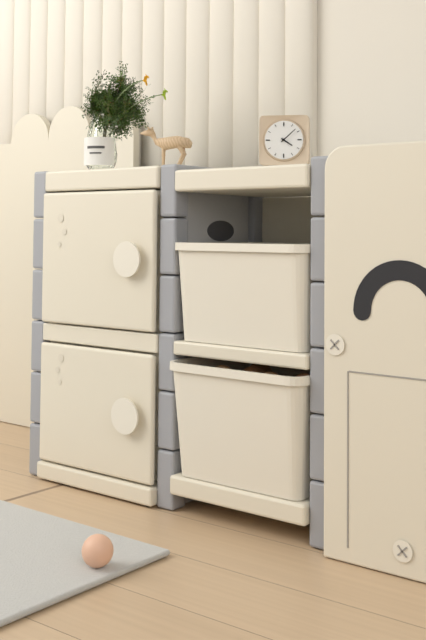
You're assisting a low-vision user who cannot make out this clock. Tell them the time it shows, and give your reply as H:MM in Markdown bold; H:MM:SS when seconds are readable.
**4:08**
